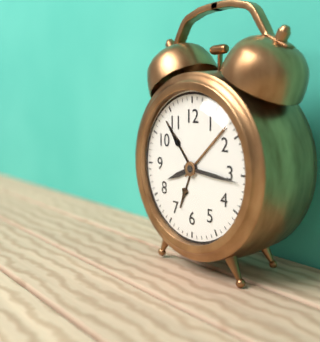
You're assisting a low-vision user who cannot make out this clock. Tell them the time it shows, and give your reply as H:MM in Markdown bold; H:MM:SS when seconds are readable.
**8:16**
